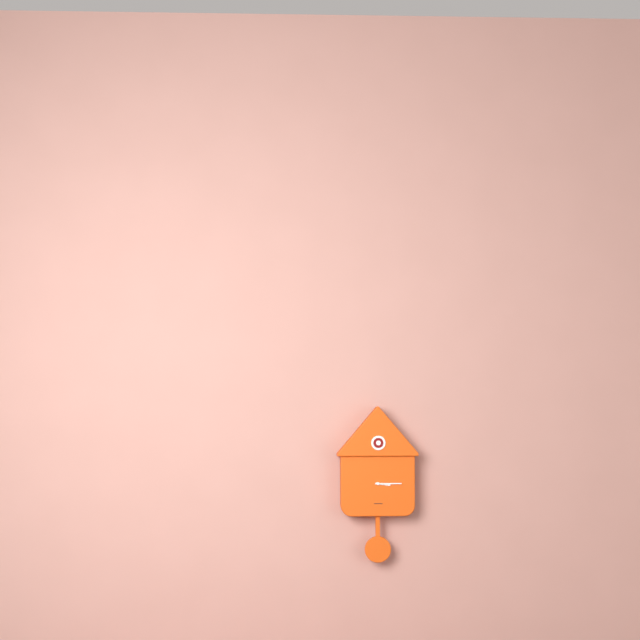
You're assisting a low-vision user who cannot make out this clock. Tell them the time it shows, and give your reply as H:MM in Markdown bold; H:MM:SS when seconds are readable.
**3:15**
